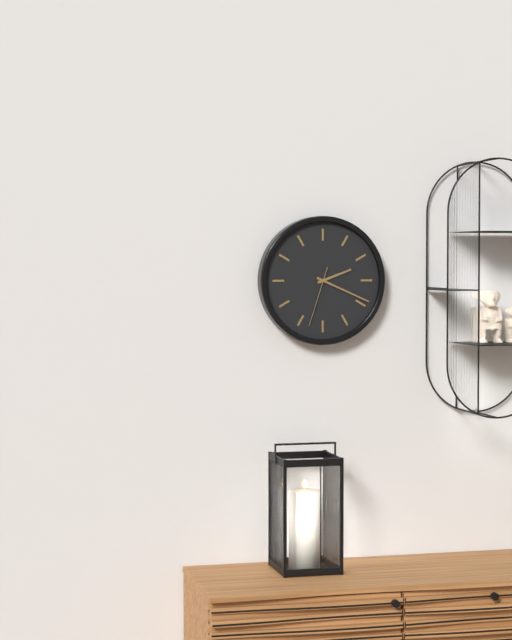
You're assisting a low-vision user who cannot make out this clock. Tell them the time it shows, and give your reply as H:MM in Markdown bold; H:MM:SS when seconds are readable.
**2:19:33**
